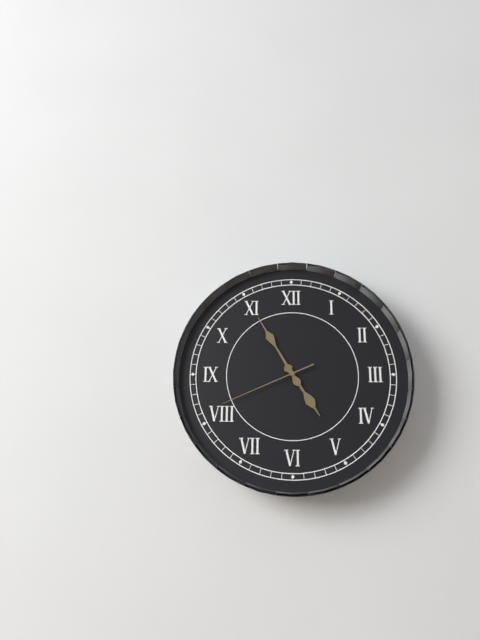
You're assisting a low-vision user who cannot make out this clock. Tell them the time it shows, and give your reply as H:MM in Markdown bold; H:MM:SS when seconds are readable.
**4:55:41**
